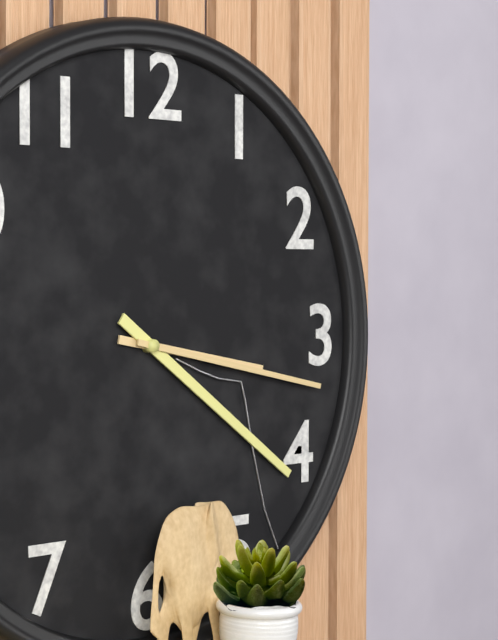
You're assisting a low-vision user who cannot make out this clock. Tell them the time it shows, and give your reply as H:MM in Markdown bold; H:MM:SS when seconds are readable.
**3:21:17**
